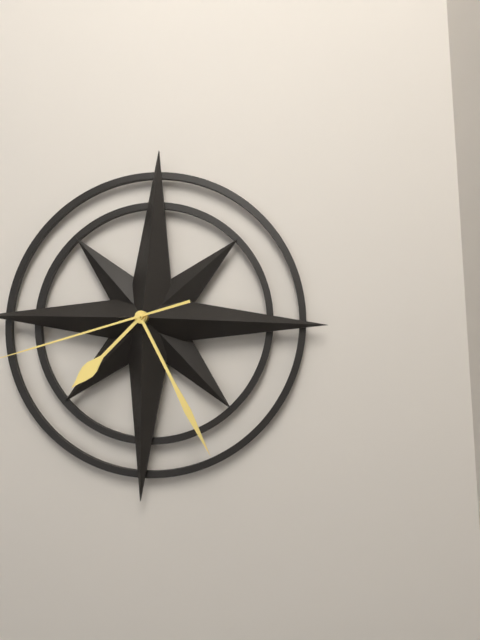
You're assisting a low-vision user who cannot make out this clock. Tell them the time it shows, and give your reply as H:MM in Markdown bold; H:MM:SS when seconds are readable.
**7:25**
